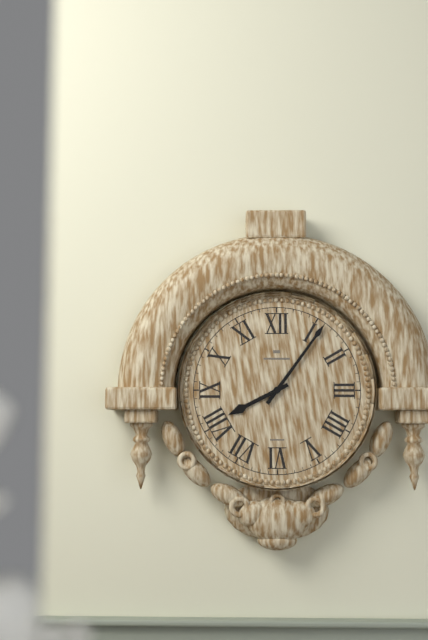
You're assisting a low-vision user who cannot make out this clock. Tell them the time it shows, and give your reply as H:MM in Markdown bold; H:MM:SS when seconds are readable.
**8:06**
